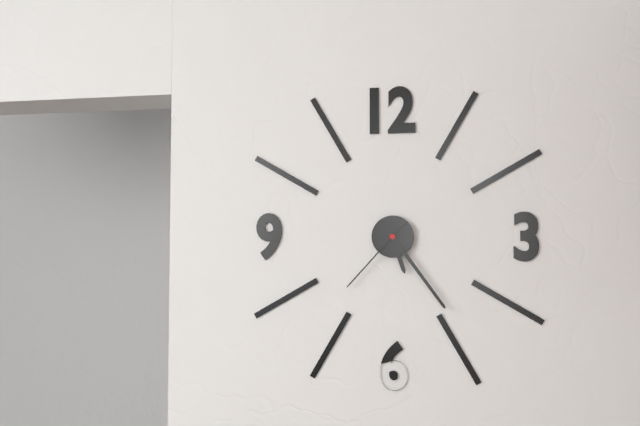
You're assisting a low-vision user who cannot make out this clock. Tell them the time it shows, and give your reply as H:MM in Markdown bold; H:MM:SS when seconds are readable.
**5:24:37**
